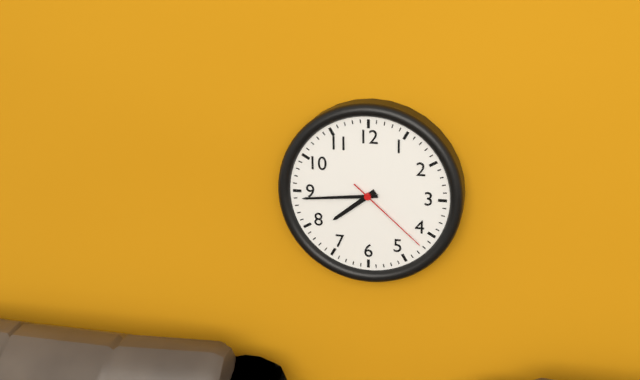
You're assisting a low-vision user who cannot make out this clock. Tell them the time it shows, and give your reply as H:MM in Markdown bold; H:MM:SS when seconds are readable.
**7:44:22**
